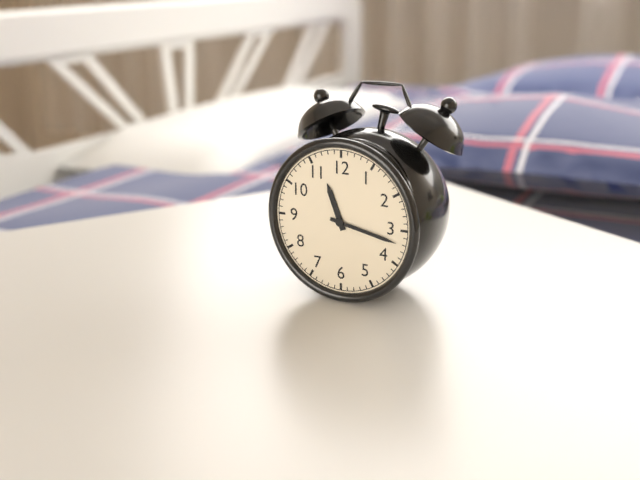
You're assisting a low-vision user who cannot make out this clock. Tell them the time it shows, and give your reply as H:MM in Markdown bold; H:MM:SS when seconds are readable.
**11:17**
